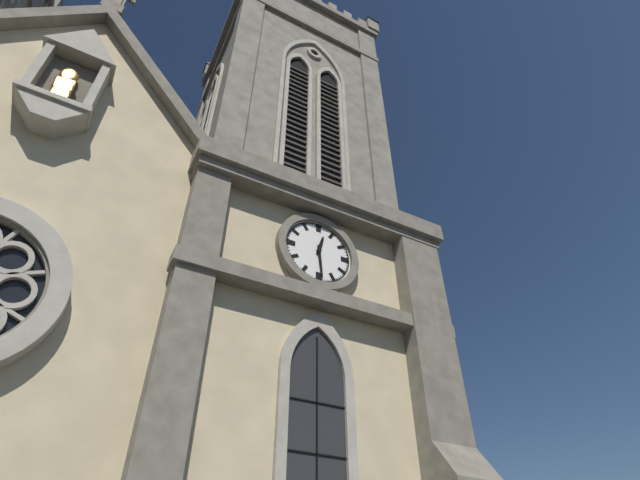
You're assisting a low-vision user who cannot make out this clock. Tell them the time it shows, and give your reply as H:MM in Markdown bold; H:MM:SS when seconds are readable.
**12:29**
